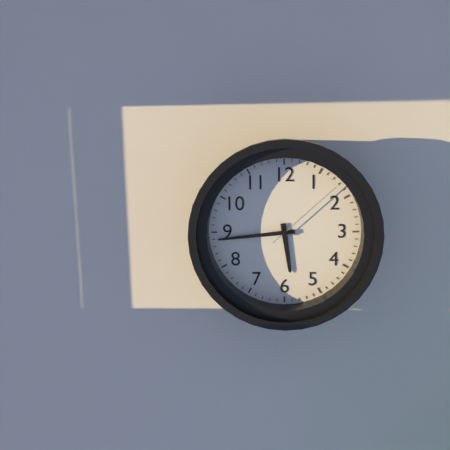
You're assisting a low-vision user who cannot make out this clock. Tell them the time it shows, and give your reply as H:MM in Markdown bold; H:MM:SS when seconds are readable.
**5:44:08**
